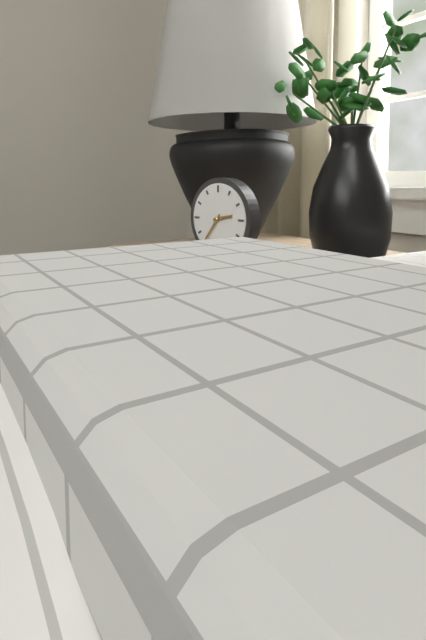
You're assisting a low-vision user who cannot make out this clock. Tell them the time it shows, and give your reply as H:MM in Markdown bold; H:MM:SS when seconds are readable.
**2:36**
